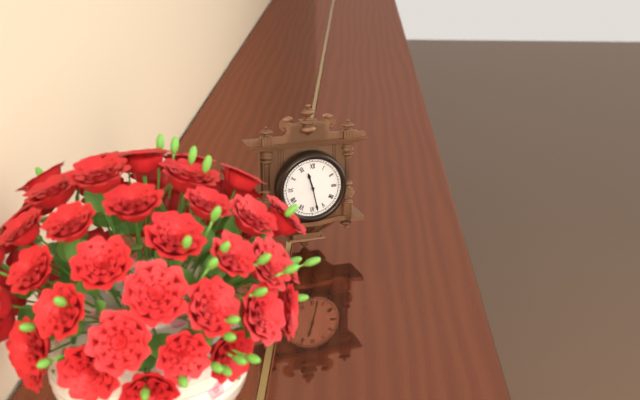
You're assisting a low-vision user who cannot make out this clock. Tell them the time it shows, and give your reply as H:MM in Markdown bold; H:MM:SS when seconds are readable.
**11:28**
